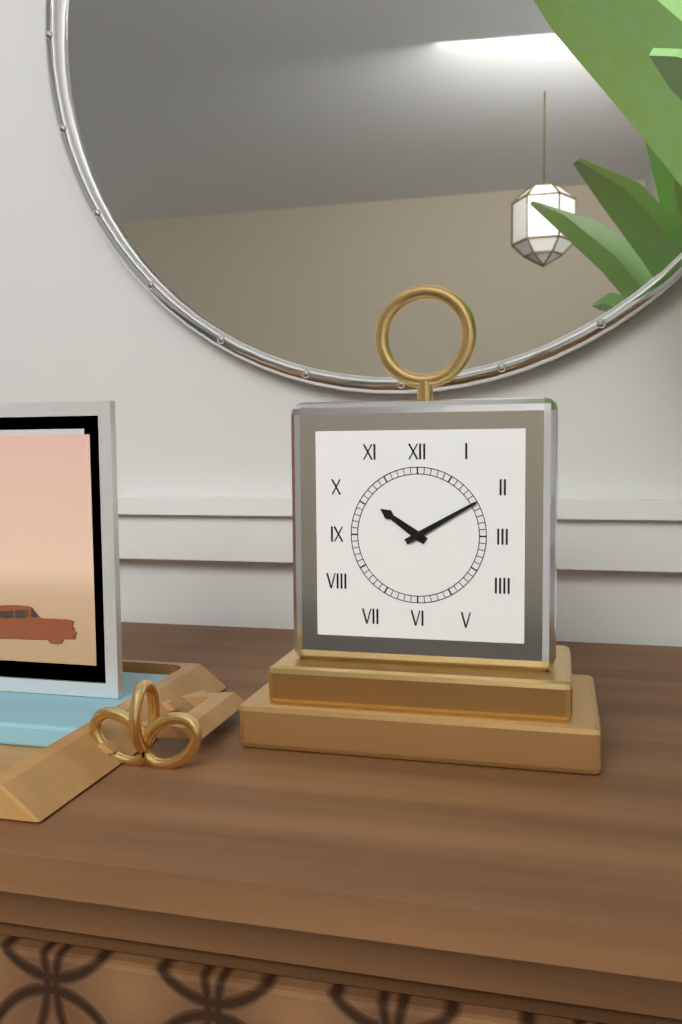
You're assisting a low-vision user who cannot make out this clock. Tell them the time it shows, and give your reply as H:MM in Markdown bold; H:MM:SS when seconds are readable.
**10:10**
